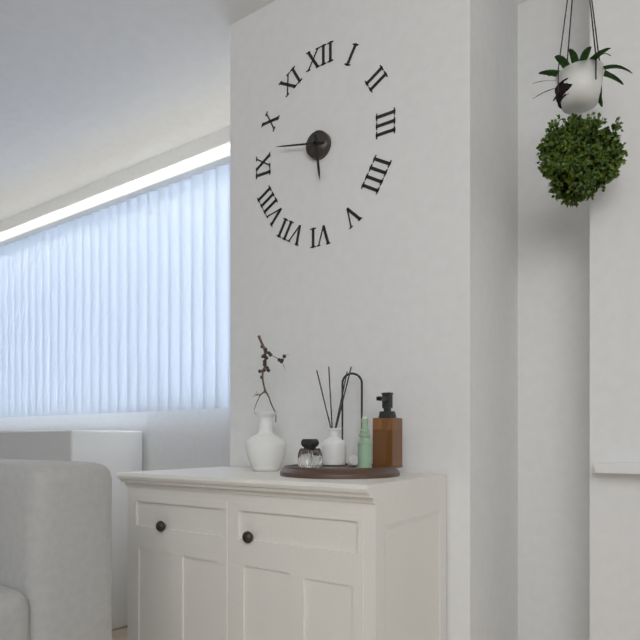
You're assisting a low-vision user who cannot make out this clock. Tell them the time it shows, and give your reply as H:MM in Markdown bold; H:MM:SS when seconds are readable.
**5:47**
